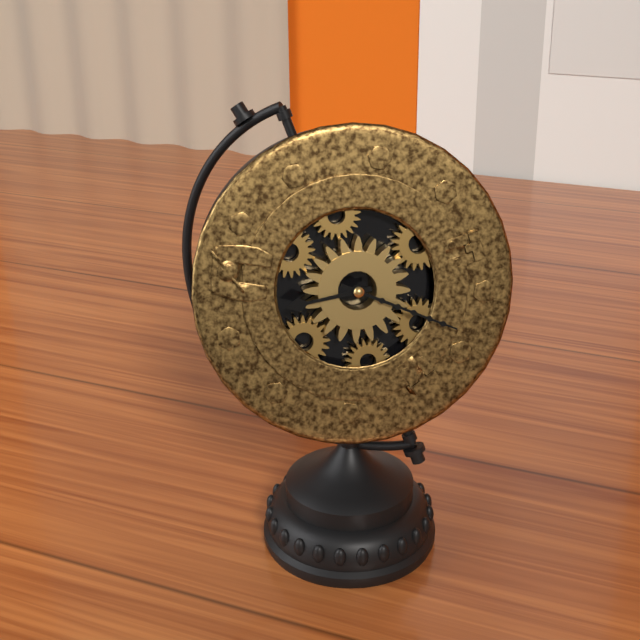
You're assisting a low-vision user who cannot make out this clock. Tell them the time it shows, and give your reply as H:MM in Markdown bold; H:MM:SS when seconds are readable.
**8:17**
